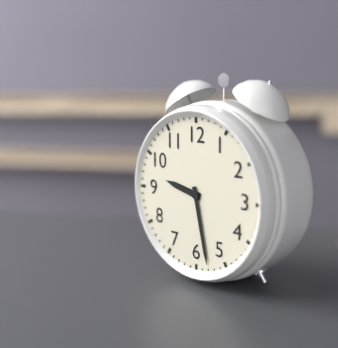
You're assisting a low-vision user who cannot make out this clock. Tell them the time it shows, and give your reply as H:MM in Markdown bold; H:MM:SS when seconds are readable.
**9:28**
